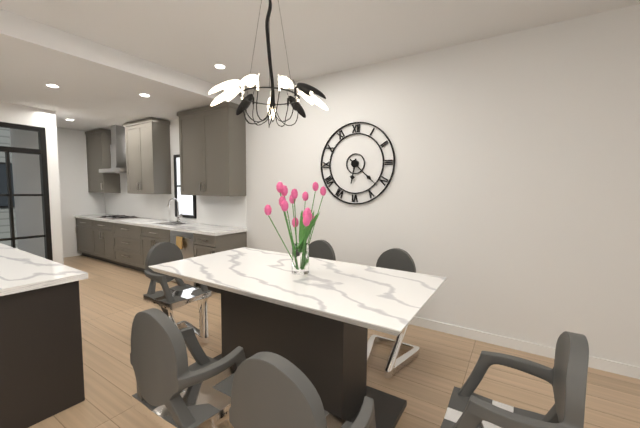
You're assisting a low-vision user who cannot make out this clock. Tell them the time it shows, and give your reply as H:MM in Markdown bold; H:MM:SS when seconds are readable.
**6:22**
